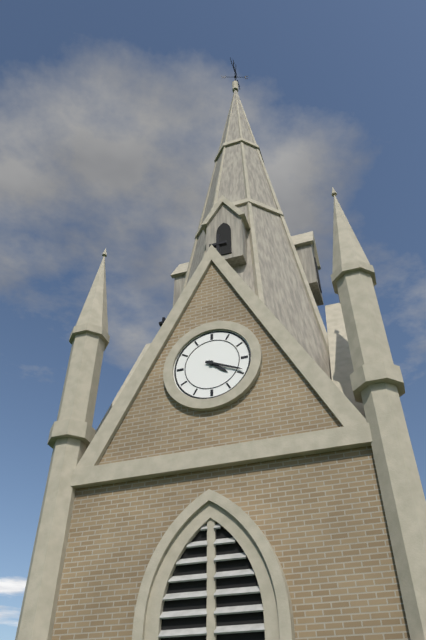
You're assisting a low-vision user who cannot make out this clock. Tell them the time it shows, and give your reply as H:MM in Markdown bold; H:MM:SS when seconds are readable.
**4:19**
